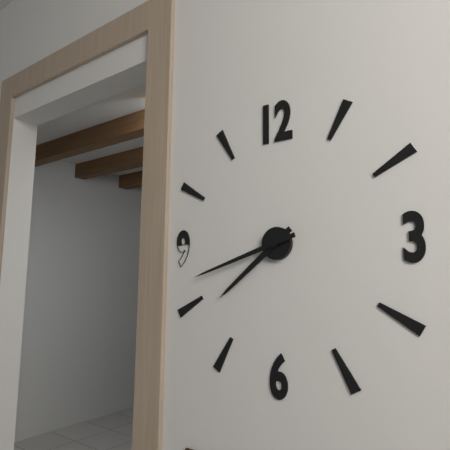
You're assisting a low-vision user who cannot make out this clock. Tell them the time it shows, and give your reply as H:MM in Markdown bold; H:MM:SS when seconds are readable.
**7:42**
